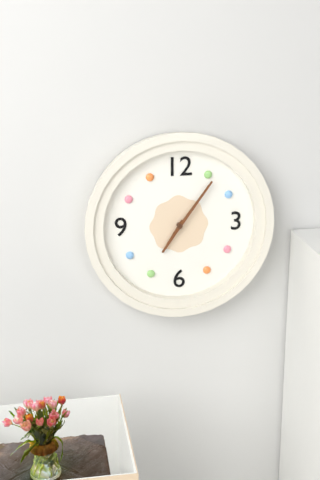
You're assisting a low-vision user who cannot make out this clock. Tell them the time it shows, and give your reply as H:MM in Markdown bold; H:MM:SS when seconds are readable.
**7:06**
